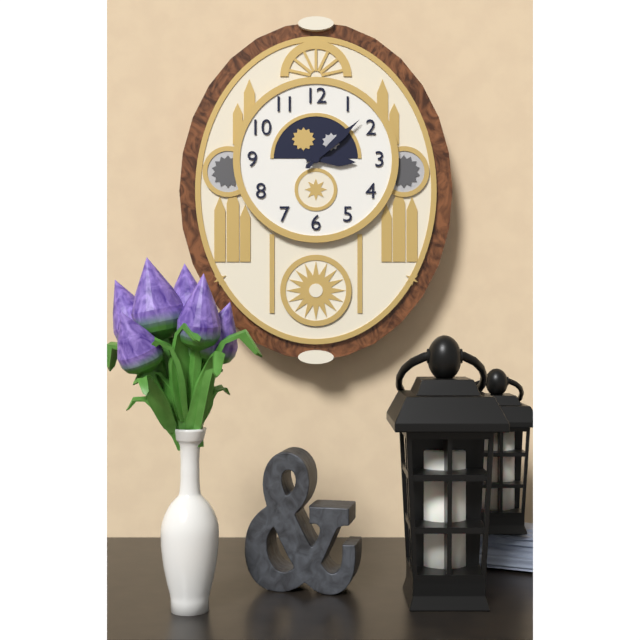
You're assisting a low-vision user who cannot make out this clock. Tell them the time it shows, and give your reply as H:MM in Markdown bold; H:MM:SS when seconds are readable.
**3:08**
